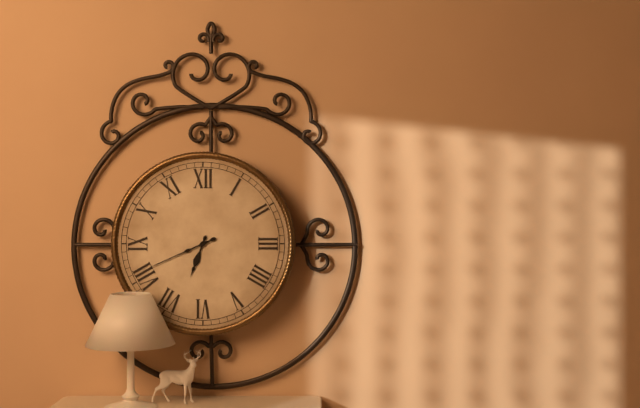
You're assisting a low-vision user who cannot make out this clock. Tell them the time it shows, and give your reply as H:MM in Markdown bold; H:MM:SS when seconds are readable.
**6:41**
